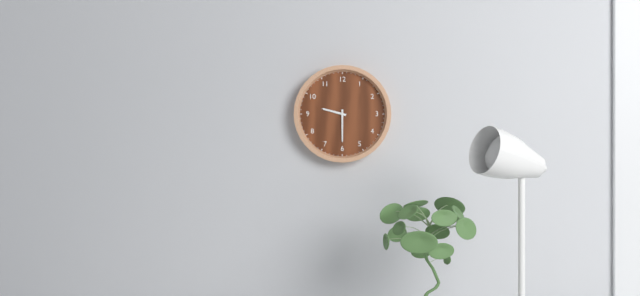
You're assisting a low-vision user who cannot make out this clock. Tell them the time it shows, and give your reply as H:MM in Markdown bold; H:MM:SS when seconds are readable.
**9:30**
